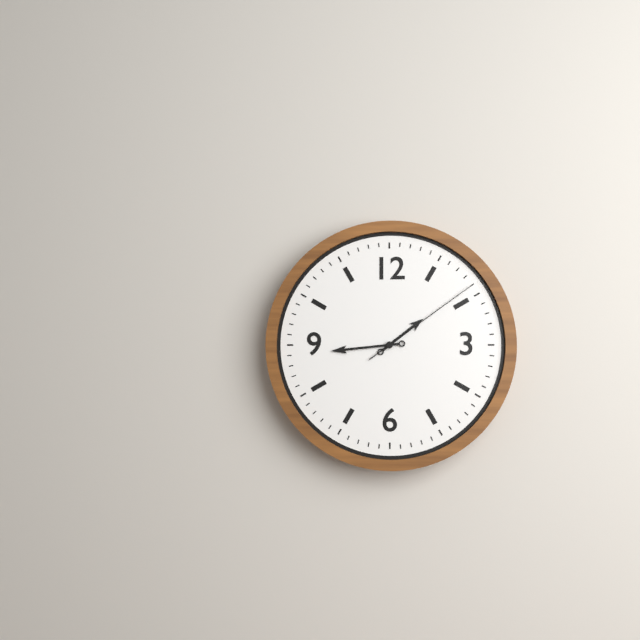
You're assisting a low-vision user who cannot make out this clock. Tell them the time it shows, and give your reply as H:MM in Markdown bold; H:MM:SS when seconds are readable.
**1:44:09**
